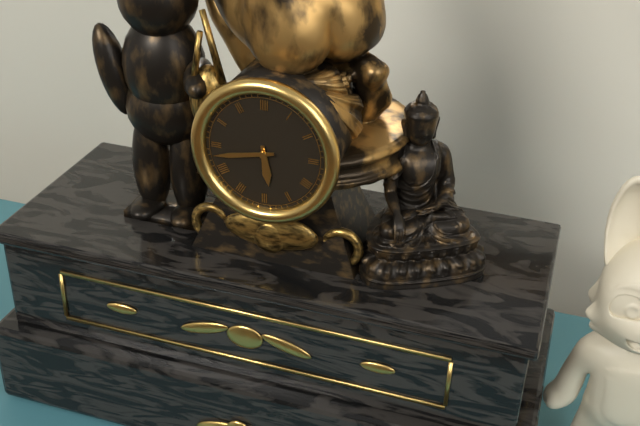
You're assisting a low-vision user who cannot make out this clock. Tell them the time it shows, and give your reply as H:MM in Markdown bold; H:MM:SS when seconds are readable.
**5:43**
